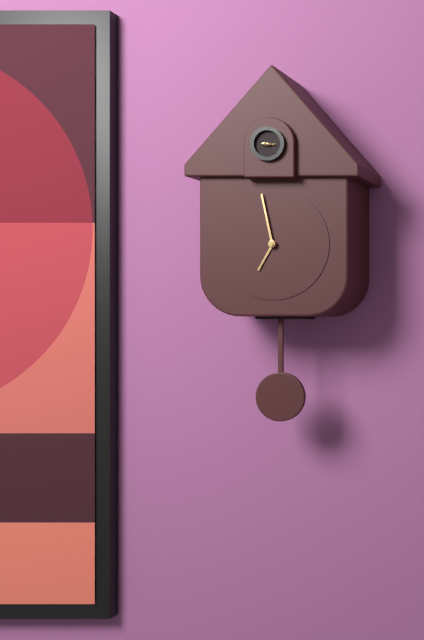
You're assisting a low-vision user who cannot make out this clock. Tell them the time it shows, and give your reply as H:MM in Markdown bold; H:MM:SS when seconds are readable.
**6:58**
